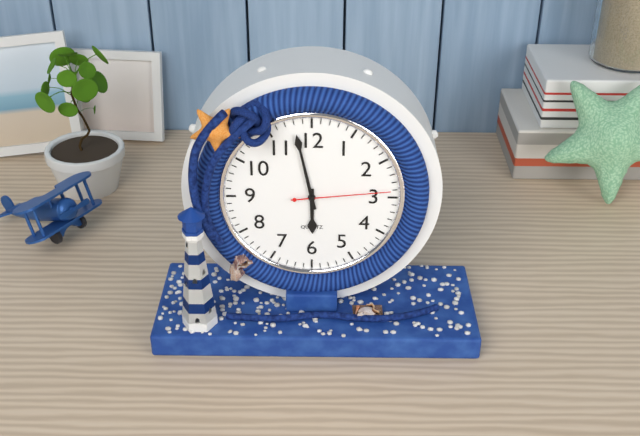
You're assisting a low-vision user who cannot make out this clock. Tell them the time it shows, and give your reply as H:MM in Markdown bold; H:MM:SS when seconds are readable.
**5:58:14**
